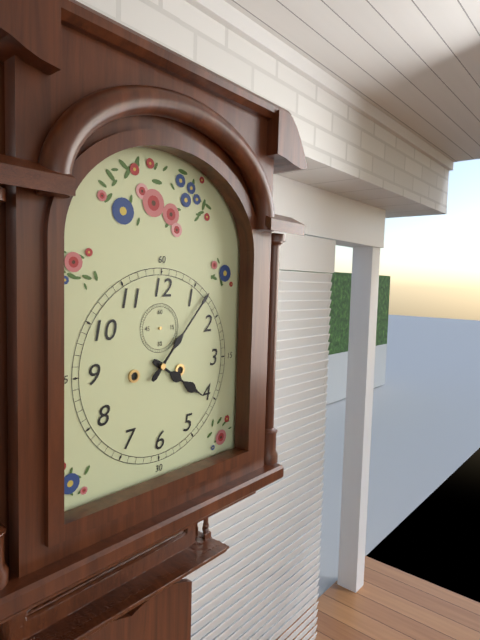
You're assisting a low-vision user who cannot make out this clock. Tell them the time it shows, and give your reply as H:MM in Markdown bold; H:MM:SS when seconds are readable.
**4:07**
